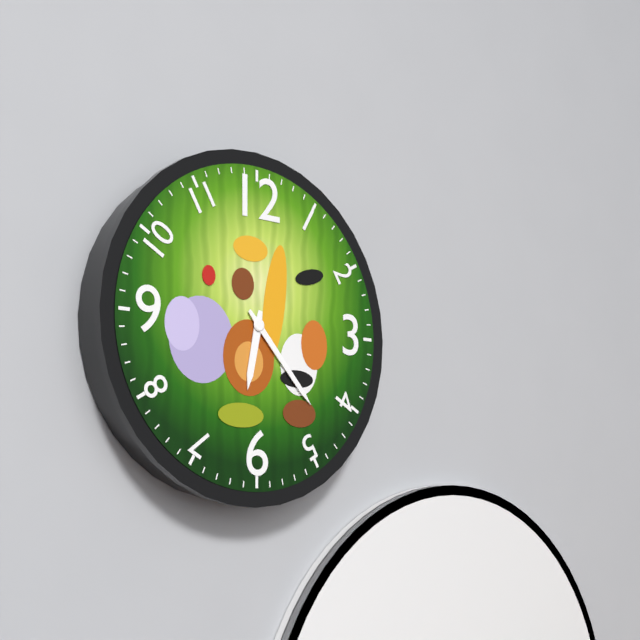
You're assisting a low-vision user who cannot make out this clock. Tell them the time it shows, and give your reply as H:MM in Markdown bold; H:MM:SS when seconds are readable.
**6:23**
